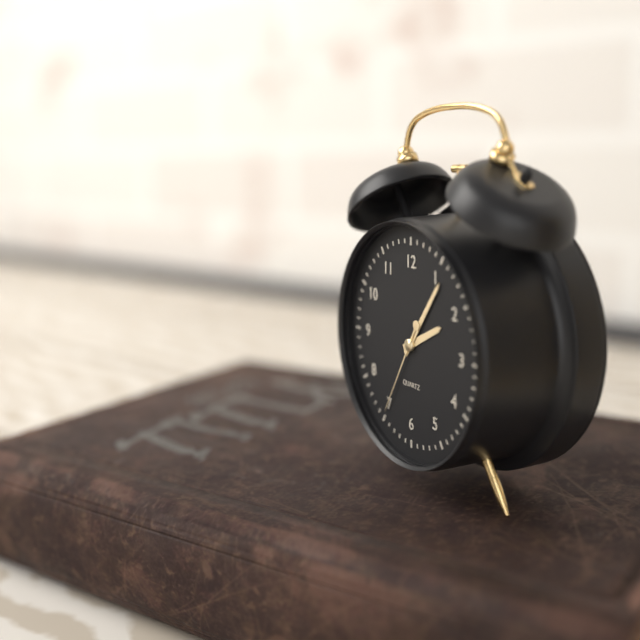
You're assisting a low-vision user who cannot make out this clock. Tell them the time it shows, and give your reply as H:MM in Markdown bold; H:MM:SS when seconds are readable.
**2:06:35**
